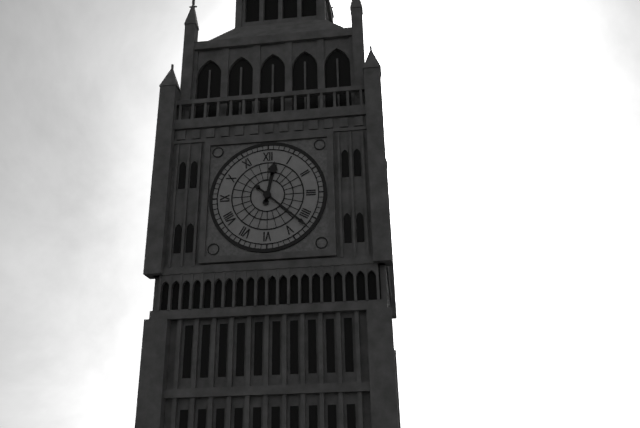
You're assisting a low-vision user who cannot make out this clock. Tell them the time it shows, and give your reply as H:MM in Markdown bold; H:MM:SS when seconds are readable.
**12:22**
